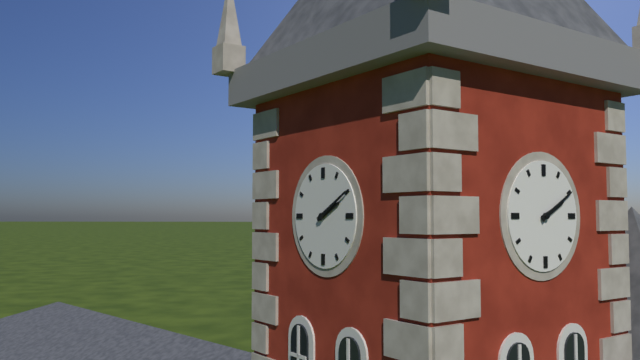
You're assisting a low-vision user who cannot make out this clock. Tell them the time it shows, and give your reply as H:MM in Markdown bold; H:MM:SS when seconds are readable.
**2:10**
